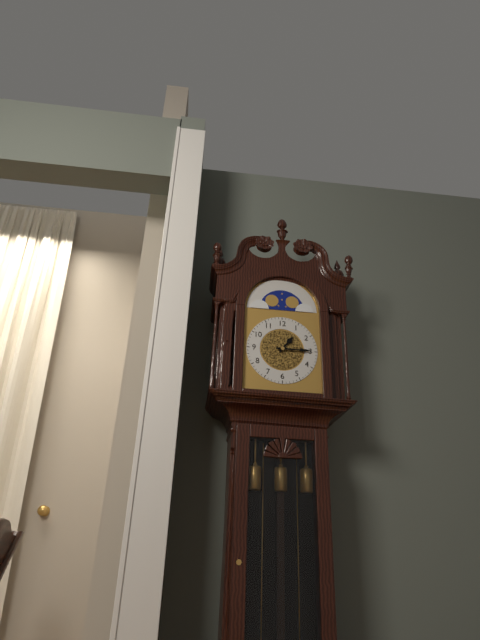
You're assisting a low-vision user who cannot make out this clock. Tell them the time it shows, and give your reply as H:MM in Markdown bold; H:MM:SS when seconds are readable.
**1:15**
